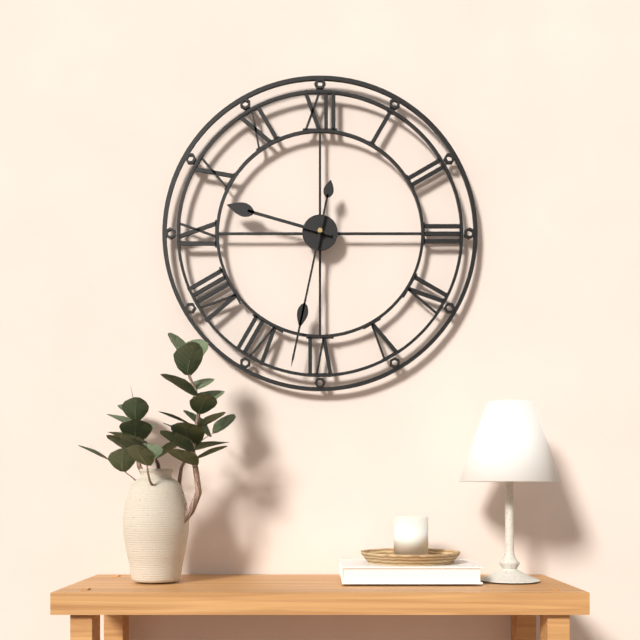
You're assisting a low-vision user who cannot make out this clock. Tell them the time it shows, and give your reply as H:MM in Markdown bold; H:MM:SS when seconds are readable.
**9:32**
